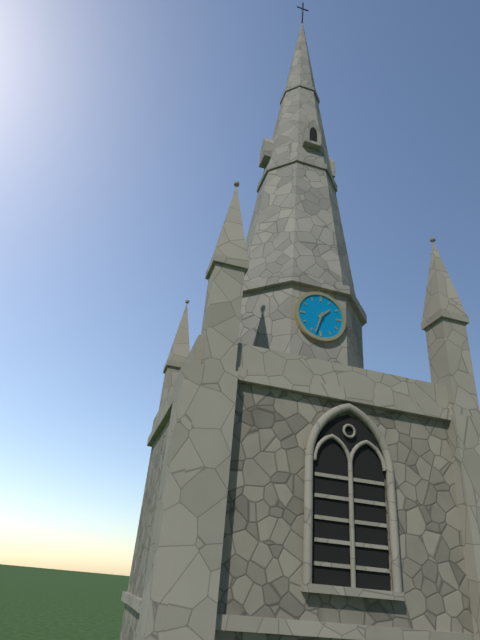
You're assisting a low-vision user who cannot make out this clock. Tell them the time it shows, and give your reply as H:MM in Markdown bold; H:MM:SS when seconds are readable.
**1:33**
